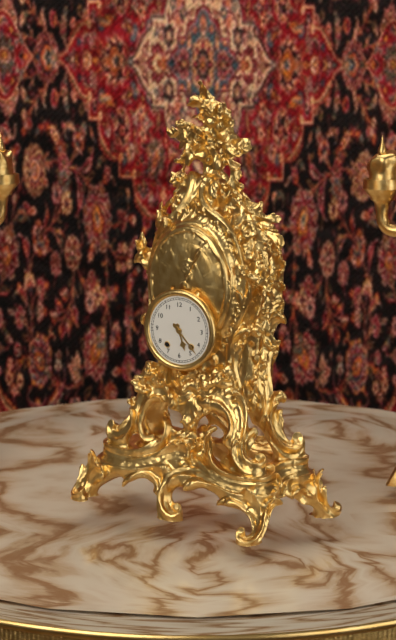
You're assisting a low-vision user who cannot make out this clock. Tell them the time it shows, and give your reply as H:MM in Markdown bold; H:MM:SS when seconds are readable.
**5:23**
